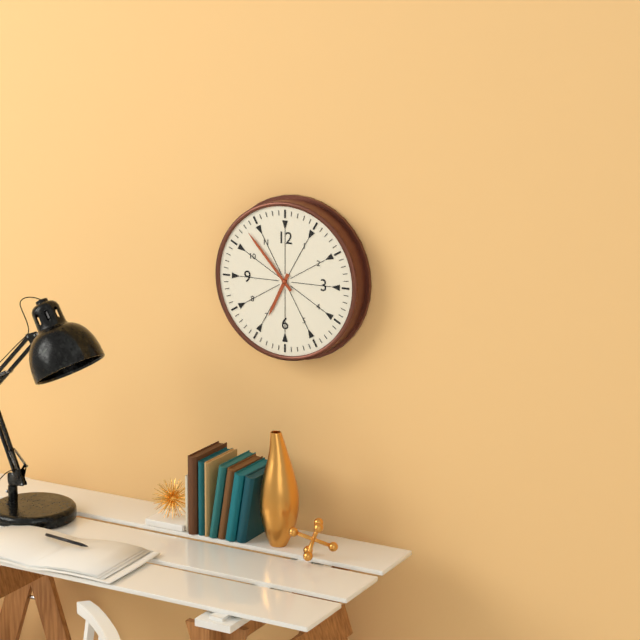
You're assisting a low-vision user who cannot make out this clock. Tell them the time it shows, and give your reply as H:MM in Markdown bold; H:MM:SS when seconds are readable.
**6:53**
